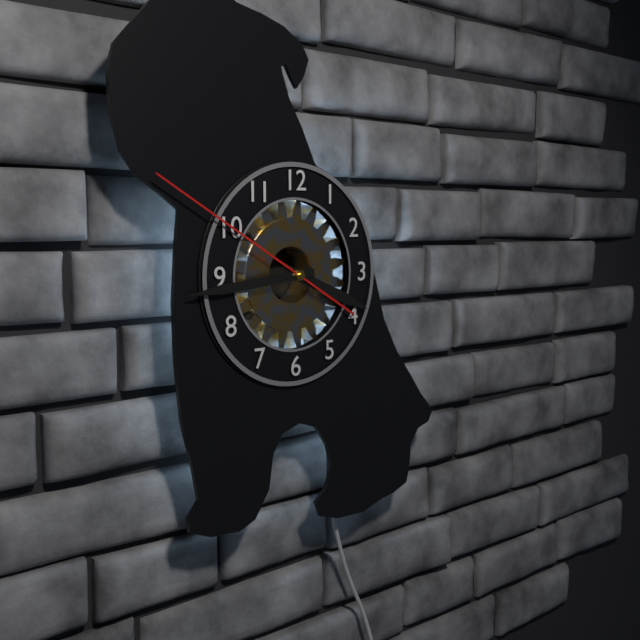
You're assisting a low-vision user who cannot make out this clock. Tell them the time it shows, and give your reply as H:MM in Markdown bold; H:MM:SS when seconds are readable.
**3:44:50**
